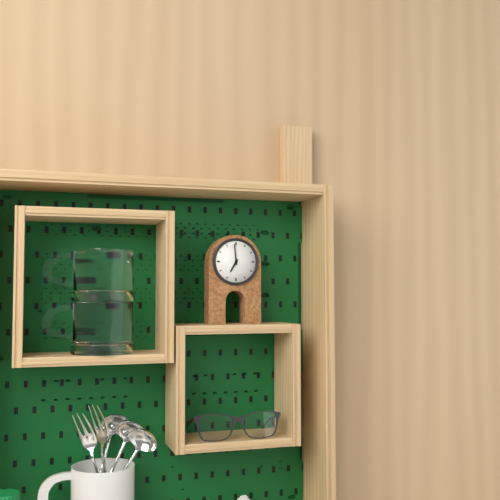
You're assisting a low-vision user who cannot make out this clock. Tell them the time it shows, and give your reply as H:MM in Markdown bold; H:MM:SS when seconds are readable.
**6:59**
